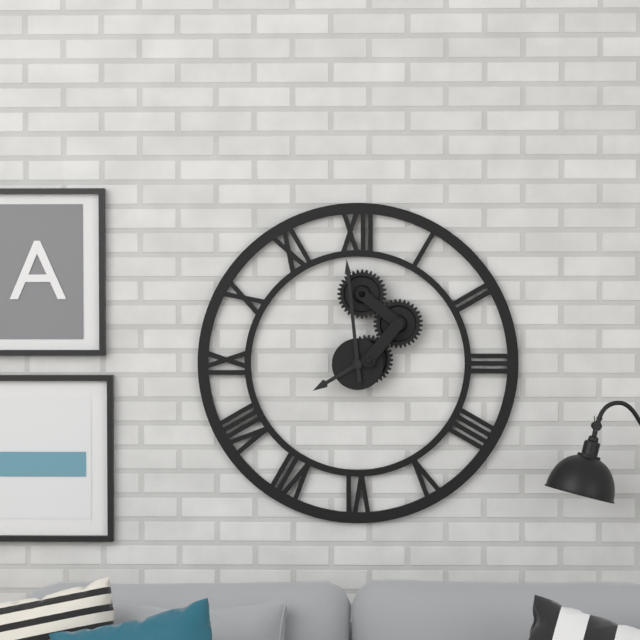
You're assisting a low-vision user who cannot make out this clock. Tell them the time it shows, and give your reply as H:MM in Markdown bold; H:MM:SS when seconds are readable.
**7:59**
